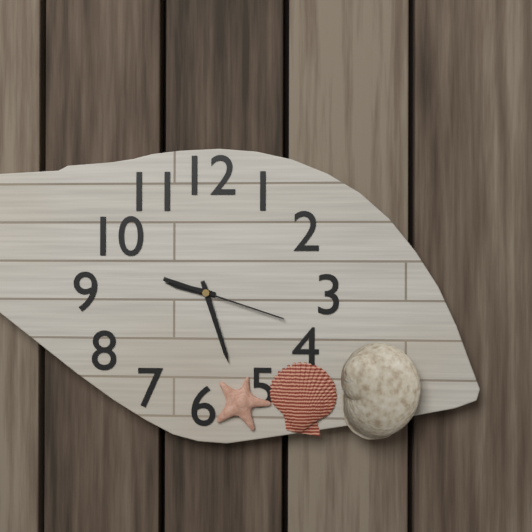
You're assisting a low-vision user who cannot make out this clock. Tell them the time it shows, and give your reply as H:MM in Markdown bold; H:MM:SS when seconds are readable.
**9:27:18**
